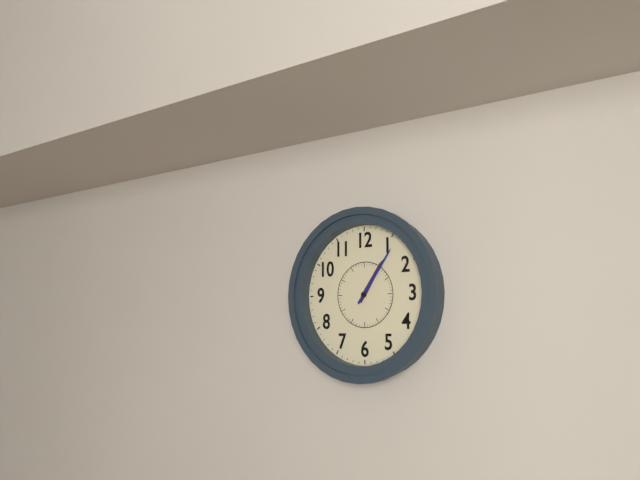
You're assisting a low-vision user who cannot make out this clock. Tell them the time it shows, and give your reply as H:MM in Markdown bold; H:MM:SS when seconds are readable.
**1:06**
